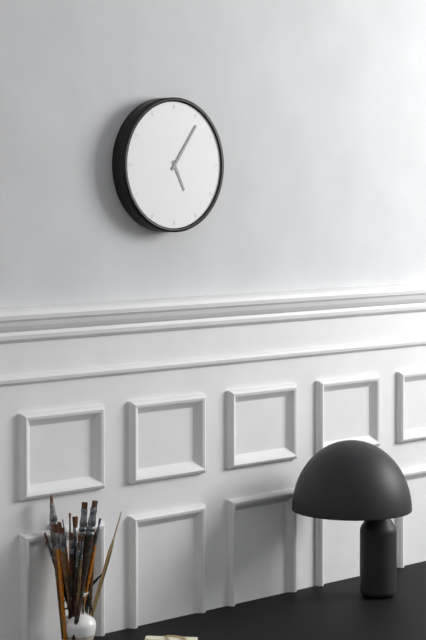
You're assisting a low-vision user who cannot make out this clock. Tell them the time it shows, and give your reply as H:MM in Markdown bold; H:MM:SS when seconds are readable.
**5:06**
